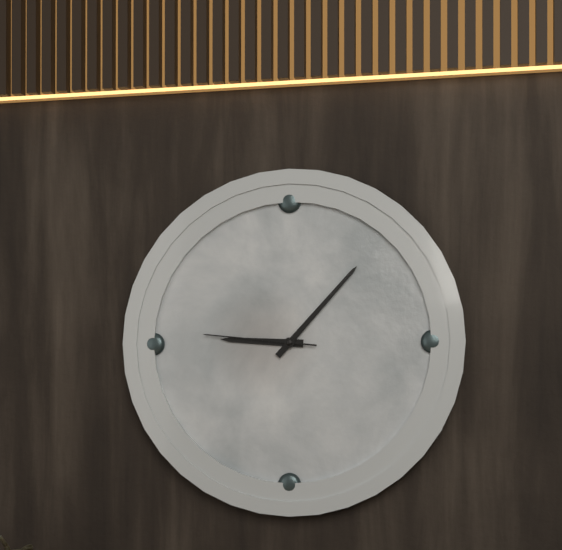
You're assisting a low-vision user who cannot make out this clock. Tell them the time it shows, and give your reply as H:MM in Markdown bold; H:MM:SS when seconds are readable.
**9:07:46**
